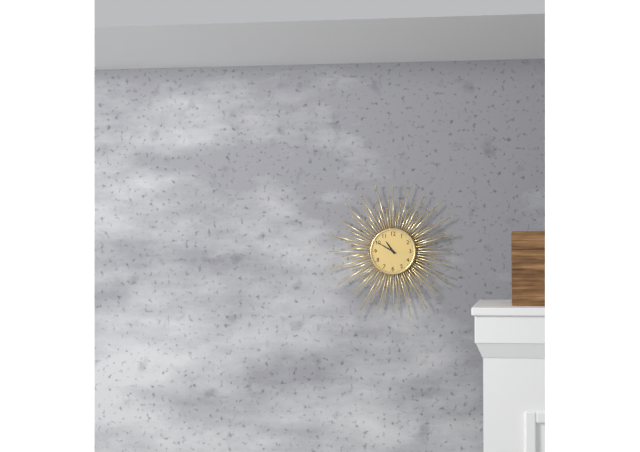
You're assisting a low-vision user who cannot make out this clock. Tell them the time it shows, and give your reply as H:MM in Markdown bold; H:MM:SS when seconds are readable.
**10:50**
